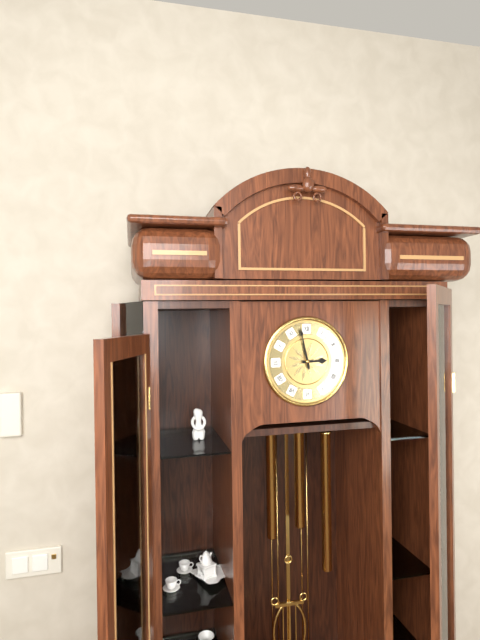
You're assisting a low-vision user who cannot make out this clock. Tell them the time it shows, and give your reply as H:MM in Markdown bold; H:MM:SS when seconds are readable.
**2:58**
